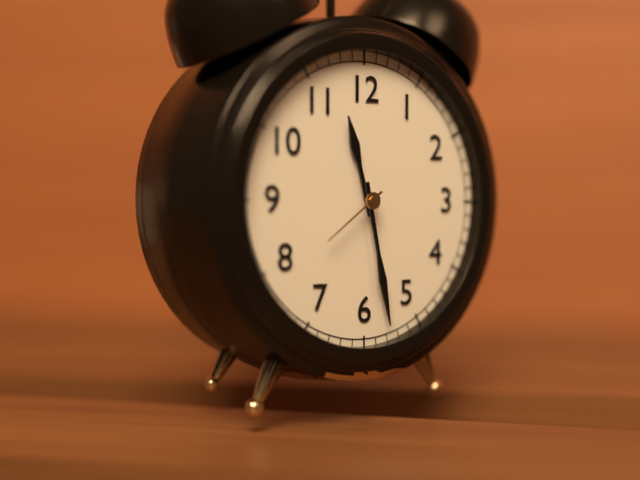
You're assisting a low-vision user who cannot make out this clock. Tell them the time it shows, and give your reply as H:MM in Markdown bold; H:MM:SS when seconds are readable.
**11:28:39**
